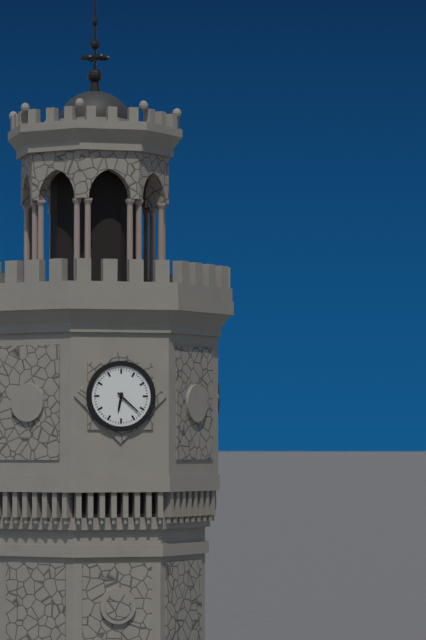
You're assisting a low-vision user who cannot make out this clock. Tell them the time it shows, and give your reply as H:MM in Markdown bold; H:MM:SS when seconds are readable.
**6:22**
